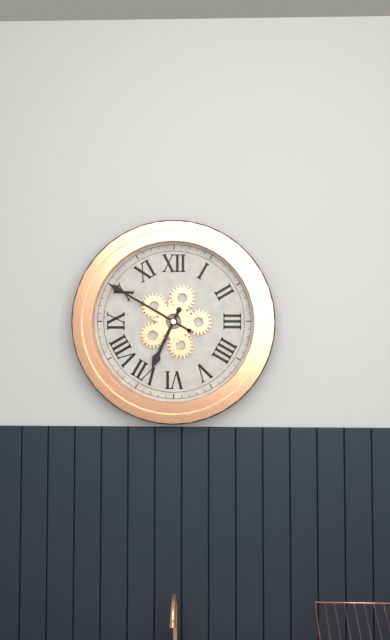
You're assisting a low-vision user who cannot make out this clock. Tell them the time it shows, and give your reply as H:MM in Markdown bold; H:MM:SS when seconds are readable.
**6:50**
